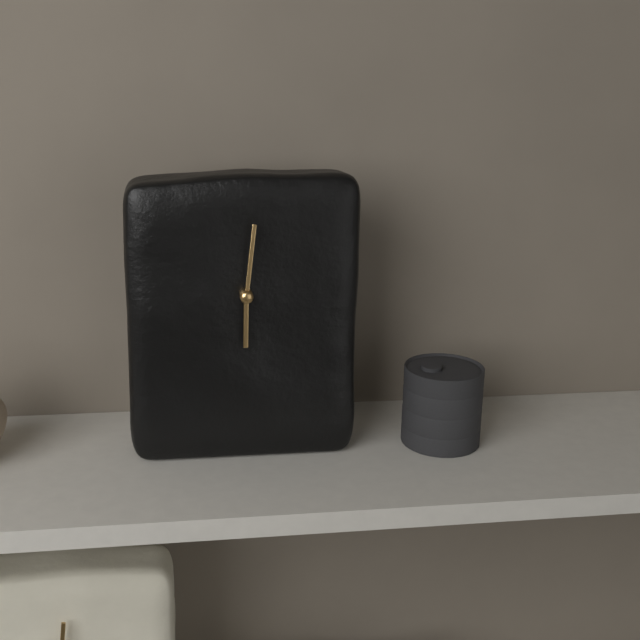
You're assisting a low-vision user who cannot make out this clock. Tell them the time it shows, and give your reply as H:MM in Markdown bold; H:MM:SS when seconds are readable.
**6:01**
